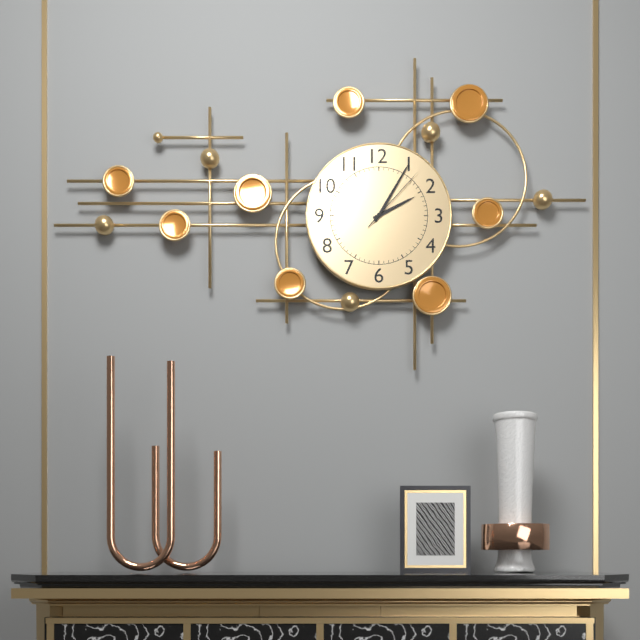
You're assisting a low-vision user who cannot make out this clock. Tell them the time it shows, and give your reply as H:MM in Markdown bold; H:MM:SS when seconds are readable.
**2:05:07**
